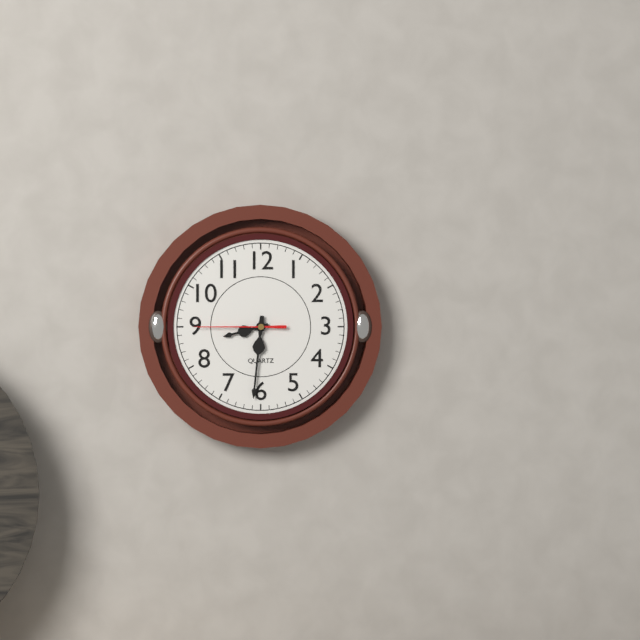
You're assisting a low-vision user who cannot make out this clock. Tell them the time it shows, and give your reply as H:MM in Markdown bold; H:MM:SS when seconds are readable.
**8:31:45**
